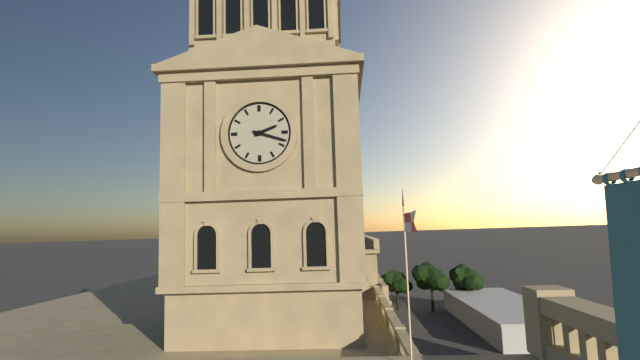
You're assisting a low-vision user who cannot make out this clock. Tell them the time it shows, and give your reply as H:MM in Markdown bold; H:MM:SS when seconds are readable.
**2:18**
